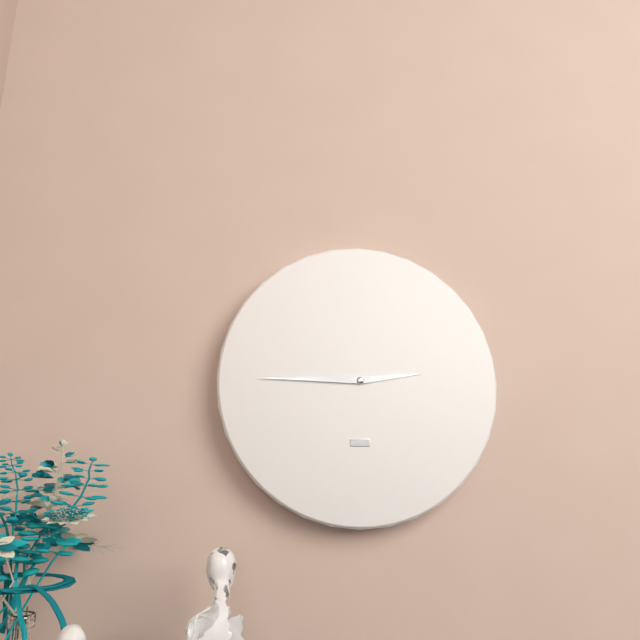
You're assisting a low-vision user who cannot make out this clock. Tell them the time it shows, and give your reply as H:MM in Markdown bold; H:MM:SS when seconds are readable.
**2:45**
